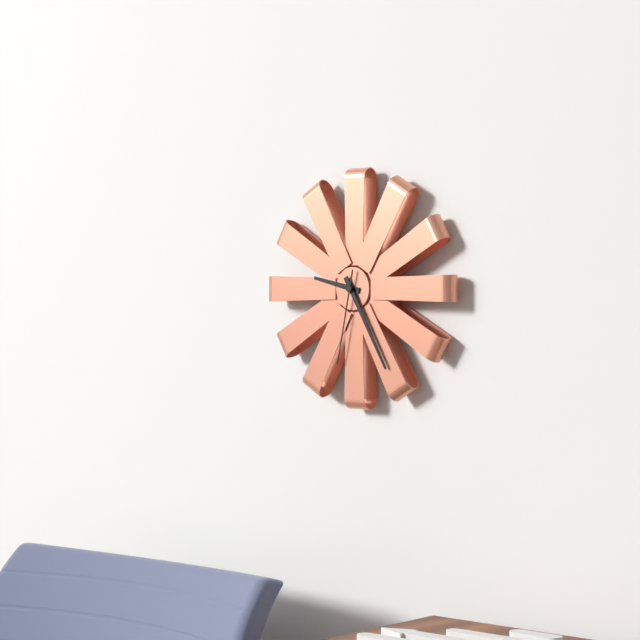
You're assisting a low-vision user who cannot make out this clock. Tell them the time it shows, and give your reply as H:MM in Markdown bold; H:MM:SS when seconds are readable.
**9:25:32**
